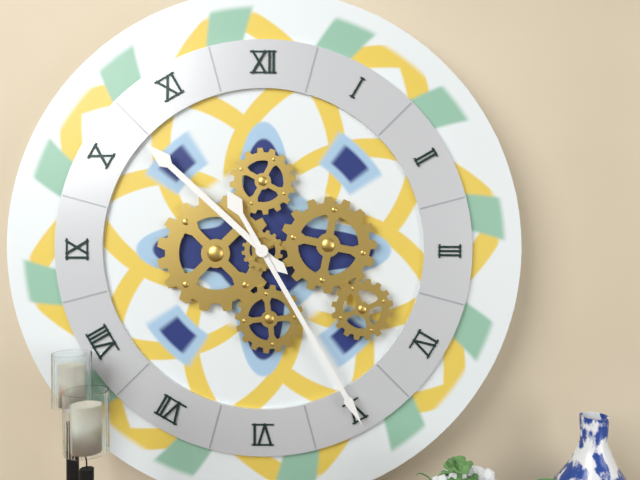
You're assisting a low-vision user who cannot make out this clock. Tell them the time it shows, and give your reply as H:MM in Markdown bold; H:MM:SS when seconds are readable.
**10:25**
